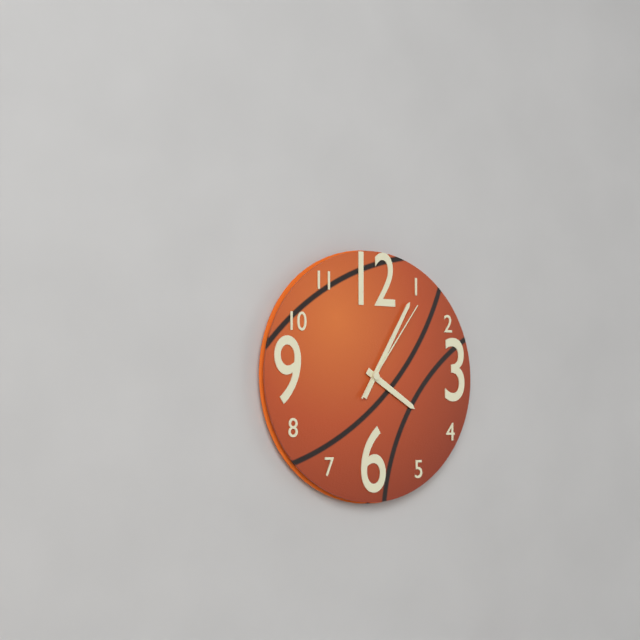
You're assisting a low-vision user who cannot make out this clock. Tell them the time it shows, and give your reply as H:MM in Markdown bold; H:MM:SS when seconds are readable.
**4:05:06**
